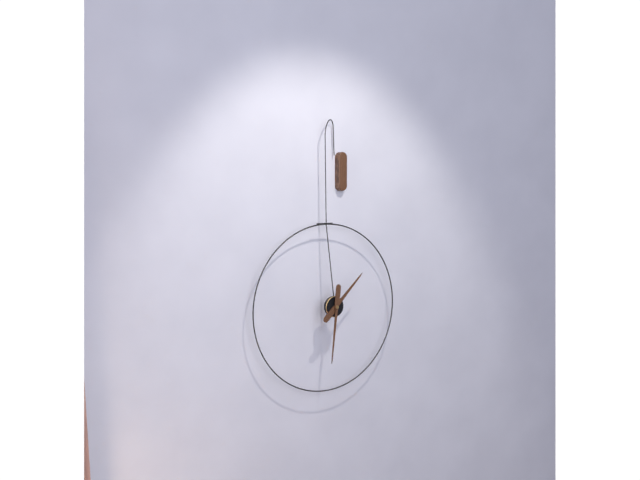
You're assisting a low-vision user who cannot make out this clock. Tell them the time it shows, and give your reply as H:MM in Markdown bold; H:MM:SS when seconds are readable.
**1:31**
